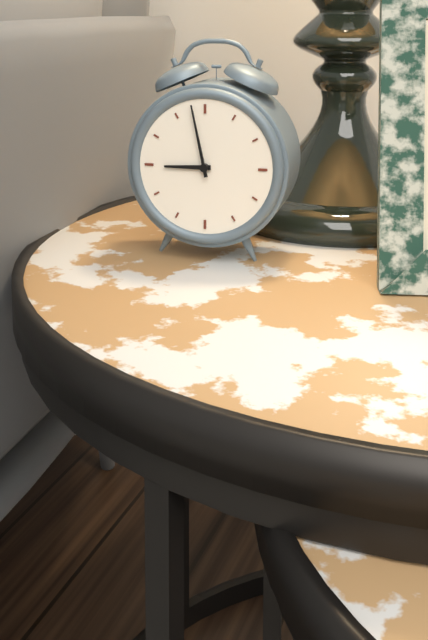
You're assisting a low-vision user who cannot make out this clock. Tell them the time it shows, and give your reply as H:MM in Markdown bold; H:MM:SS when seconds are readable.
**8:58**
